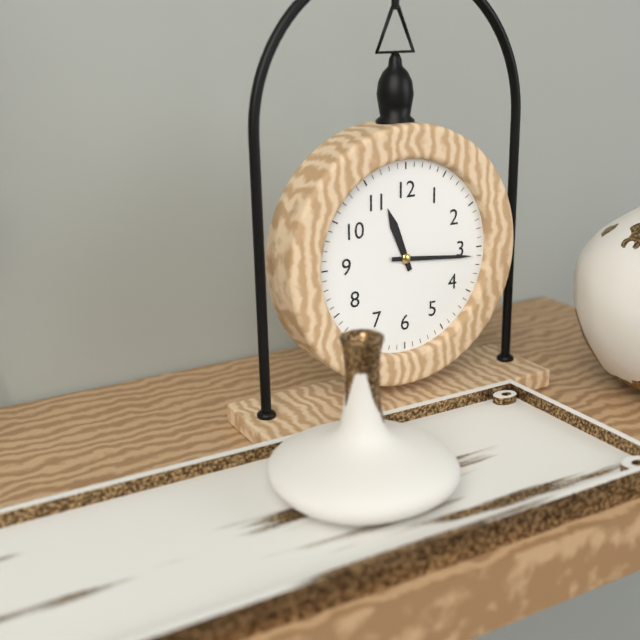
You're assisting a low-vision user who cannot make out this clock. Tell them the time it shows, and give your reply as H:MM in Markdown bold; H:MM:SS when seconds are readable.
**11:16**
